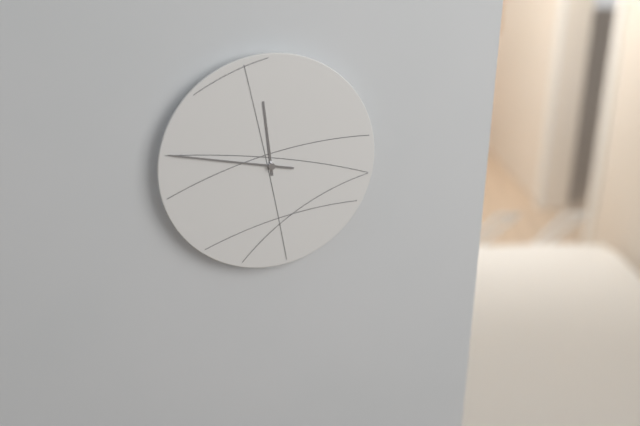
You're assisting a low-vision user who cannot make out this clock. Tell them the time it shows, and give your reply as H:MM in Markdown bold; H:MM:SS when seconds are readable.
**11:47**
